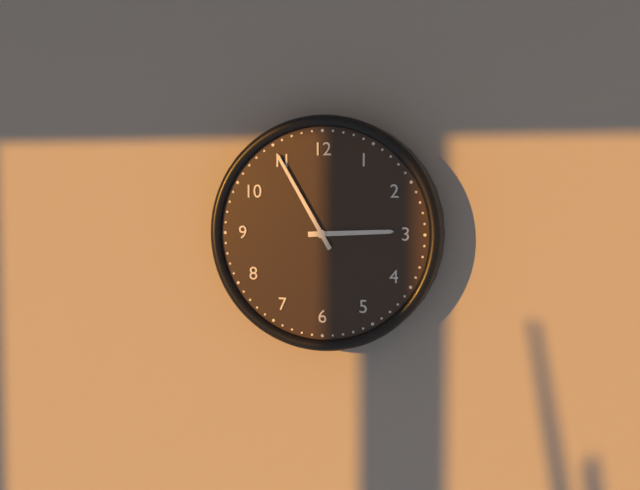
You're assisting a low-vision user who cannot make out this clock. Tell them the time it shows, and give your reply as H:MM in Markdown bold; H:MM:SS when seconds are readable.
**2:55**
